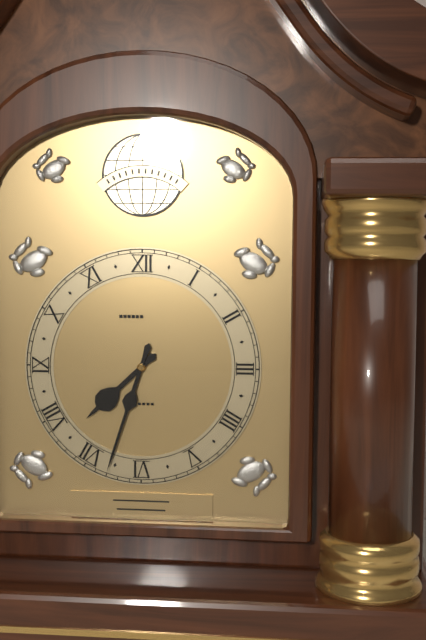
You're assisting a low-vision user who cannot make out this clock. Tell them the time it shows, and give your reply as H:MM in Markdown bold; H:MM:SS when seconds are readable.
**7:33**
